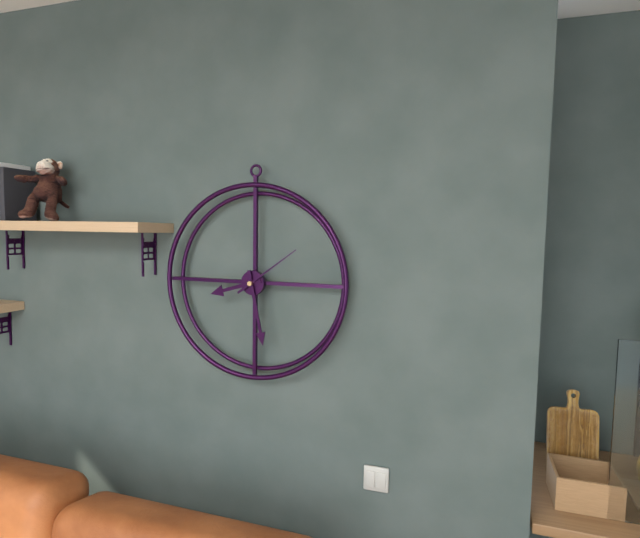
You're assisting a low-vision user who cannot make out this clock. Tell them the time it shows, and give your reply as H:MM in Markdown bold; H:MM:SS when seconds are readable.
**8:28:09**
